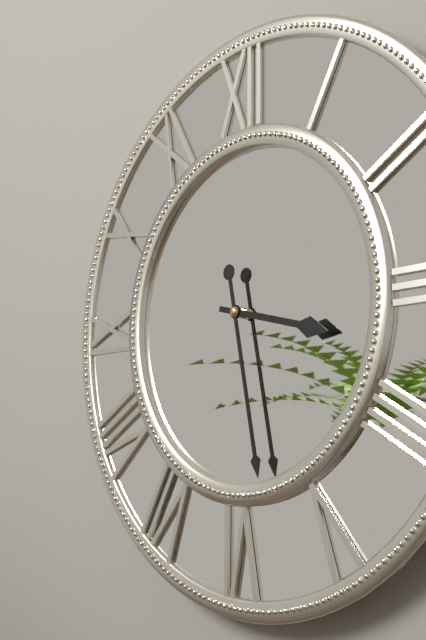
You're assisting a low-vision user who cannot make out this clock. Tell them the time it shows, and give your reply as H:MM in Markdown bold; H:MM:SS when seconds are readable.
**3:28**
